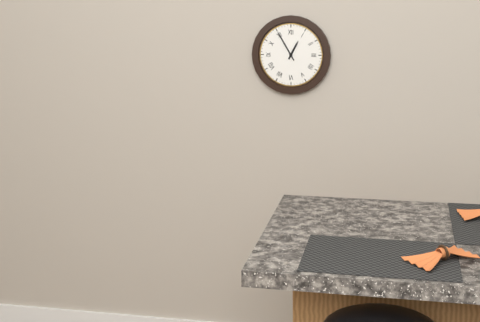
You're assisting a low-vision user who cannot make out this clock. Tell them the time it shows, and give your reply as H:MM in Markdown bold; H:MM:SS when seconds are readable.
**12:55**
